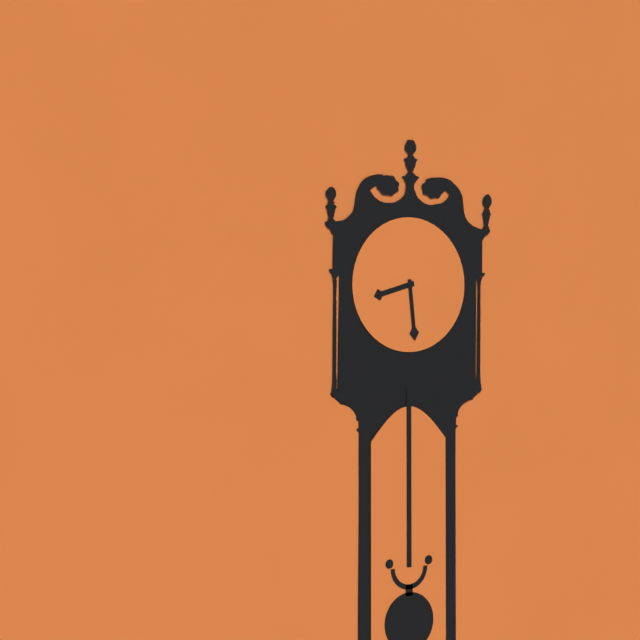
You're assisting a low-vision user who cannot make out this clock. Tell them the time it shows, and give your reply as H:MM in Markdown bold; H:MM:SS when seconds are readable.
**8:29**
